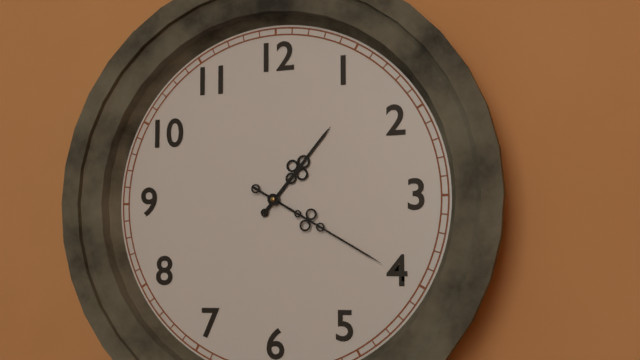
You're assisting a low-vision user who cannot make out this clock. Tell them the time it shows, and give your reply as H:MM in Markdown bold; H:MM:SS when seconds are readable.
**1:20**
